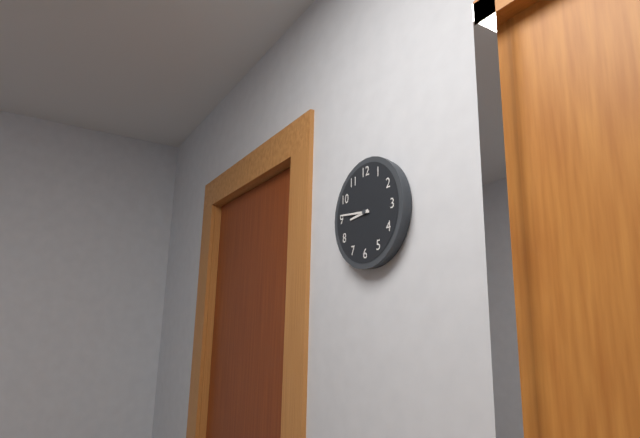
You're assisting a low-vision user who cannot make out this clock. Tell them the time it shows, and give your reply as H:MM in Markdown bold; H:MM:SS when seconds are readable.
**8:46**
